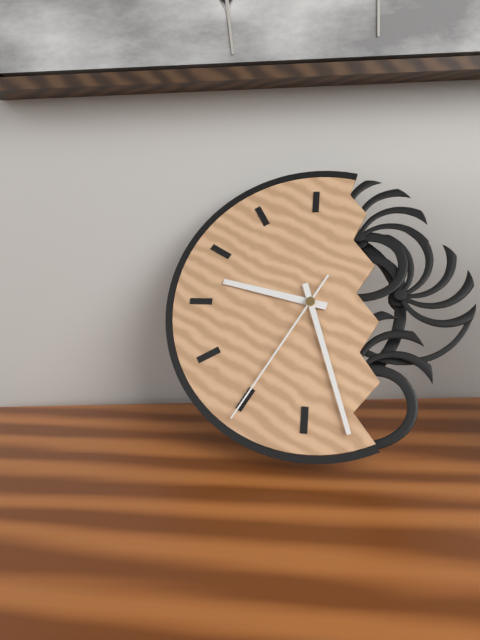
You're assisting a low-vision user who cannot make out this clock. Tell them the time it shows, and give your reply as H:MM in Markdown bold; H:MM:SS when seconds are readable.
**9:27:35**
